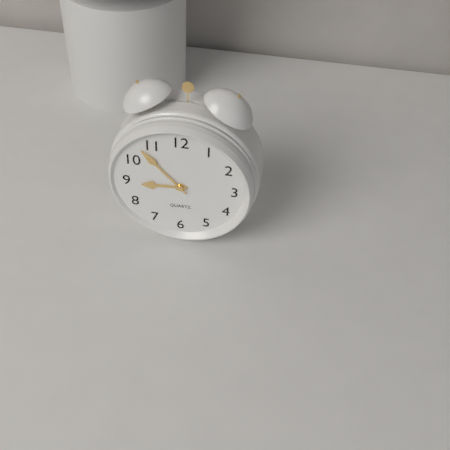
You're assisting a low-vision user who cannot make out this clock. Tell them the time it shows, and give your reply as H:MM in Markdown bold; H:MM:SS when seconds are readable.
**8:53**
